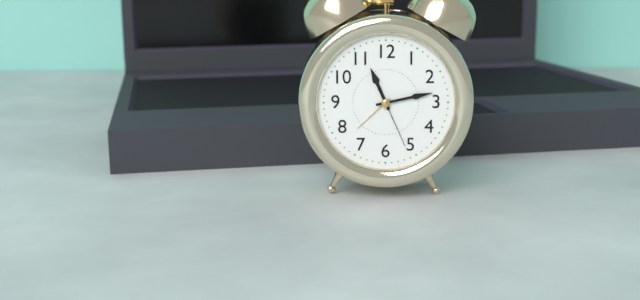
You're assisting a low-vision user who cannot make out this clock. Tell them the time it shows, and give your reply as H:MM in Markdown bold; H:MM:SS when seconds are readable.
**11:13:26**
